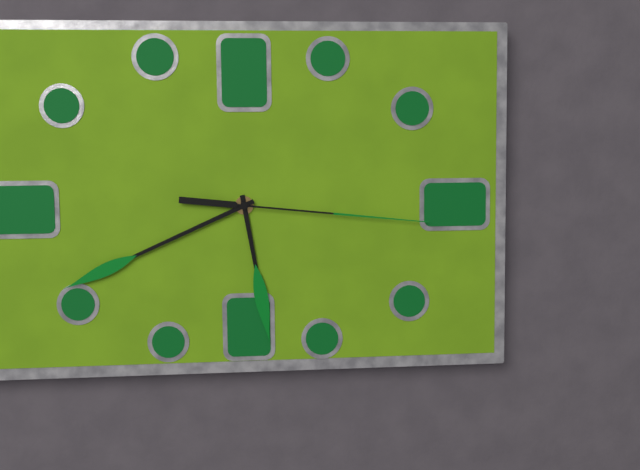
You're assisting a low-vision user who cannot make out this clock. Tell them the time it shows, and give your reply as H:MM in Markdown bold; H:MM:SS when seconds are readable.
**5:41:16**
